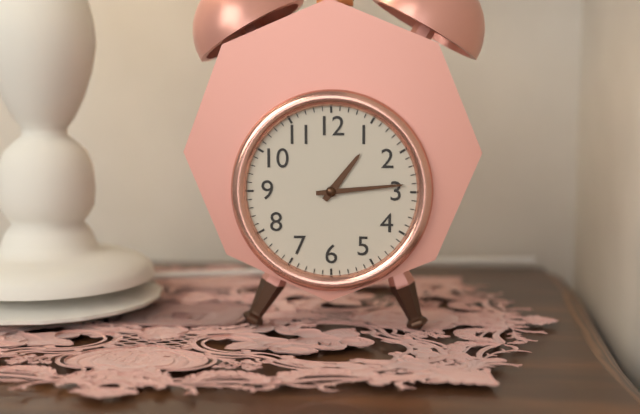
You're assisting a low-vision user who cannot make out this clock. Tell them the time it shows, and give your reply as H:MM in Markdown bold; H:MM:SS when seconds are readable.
**1:14**
